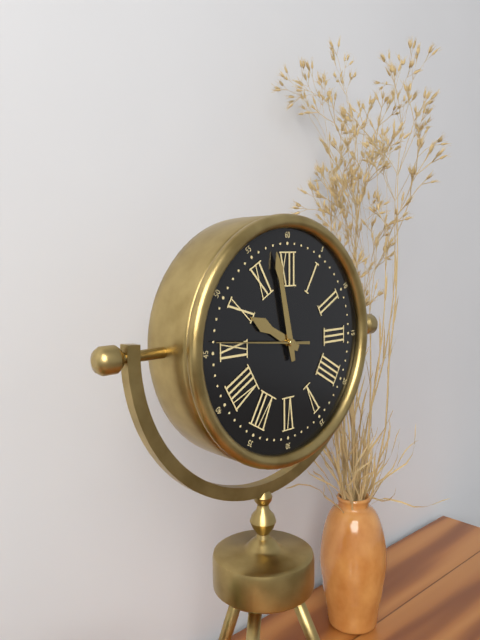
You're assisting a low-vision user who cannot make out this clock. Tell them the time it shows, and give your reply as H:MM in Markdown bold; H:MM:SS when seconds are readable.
**9:58:46**
